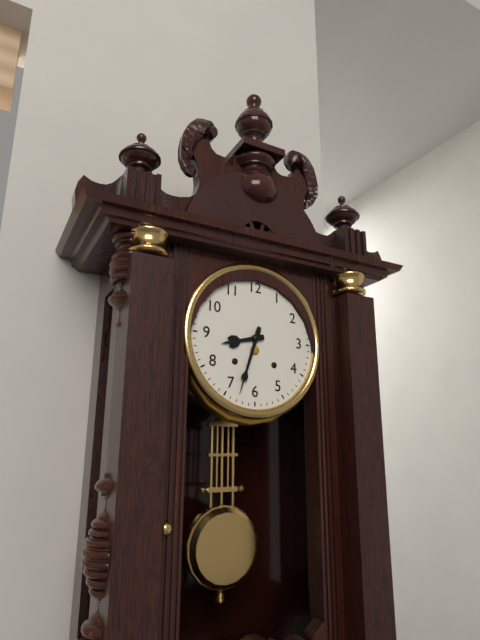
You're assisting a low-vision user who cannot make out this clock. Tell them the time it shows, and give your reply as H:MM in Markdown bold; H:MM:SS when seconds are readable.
**8:33**
